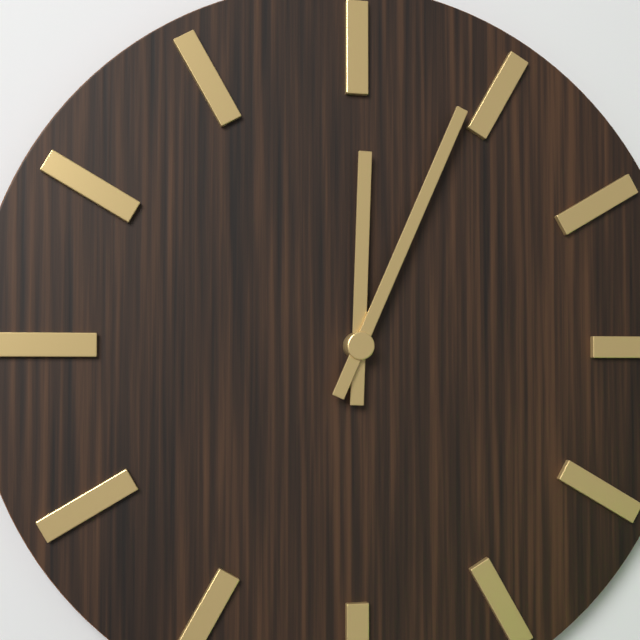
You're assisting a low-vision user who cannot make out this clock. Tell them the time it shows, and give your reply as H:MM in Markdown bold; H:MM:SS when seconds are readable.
**12:04**
